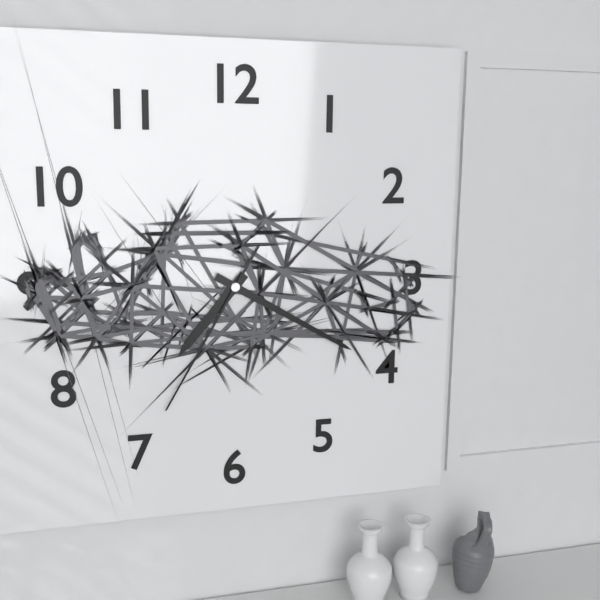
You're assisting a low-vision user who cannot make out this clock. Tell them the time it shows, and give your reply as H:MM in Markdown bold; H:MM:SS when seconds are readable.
**7:20:35**
